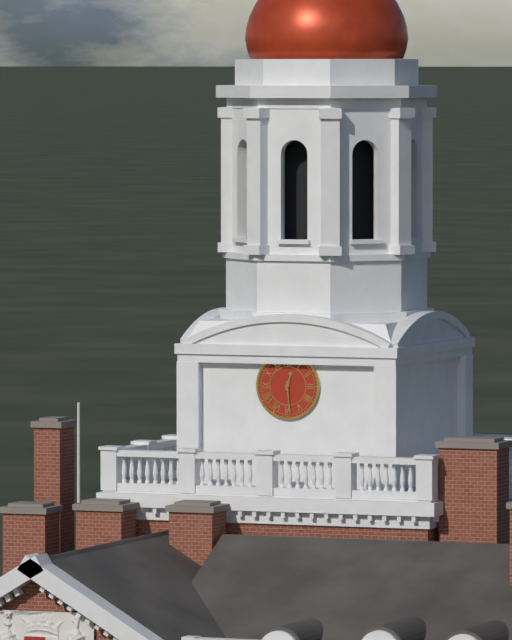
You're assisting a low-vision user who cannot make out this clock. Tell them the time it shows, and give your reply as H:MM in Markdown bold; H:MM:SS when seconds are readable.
**12:29**
